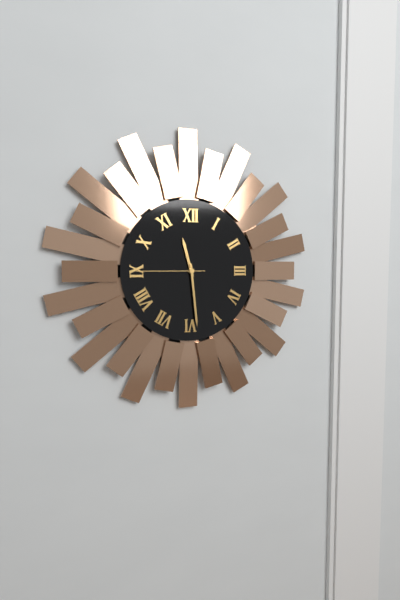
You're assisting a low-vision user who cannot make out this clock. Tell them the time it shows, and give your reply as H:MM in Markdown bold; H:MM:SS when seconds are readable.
**11:29:45**
